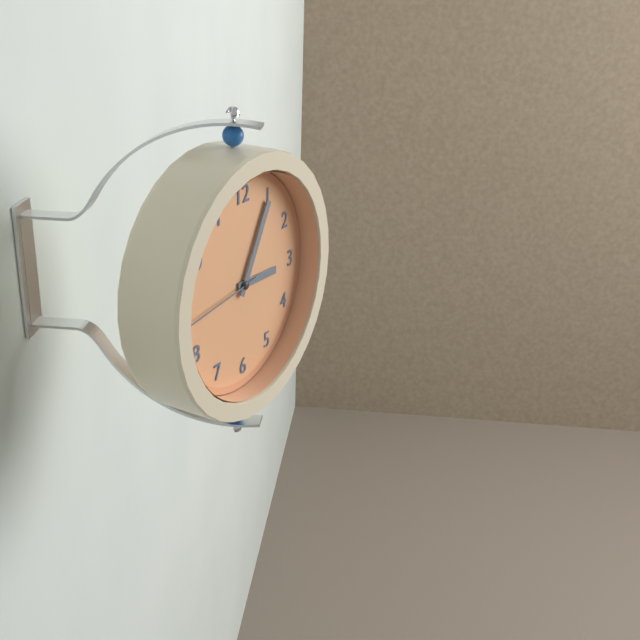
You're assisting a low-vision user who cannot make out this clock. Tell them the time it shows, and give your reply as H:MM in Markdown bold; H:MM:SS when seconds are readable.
**3:05:44**
